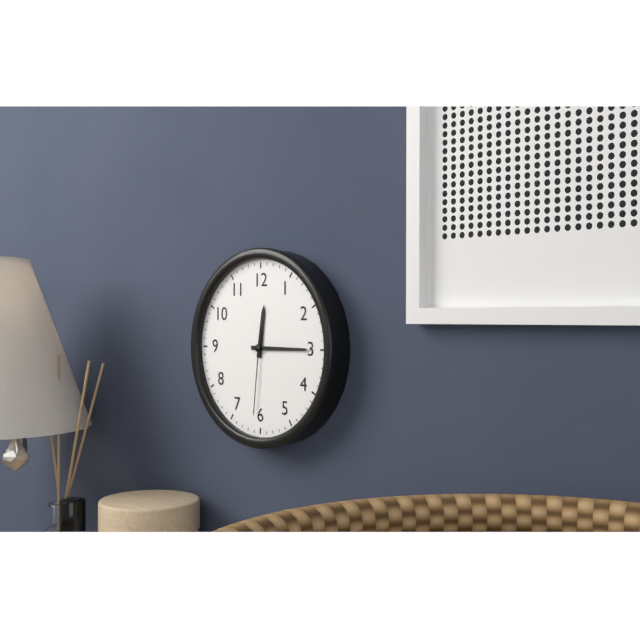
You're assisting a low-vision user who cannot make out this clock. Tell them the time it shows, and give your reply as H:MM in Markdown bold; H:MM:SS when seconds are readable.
**12:15:31**
